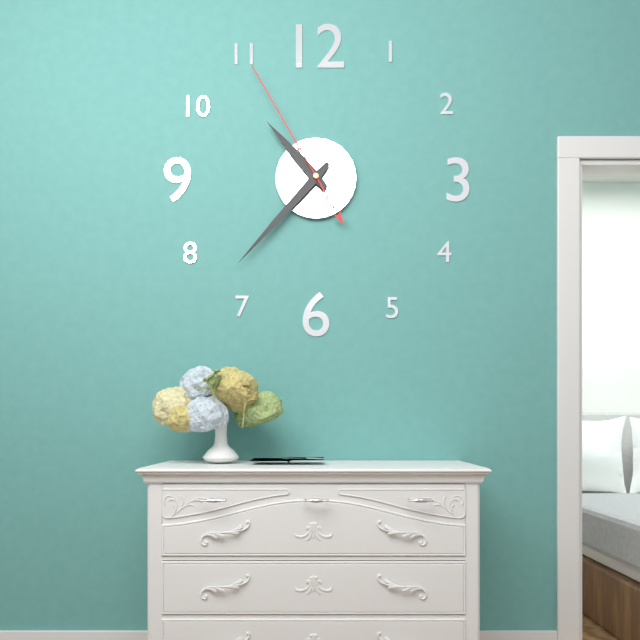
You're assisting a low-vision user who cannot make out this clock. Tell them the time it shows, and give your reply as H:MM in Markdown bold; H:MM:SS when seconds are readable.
**10:37:55**
